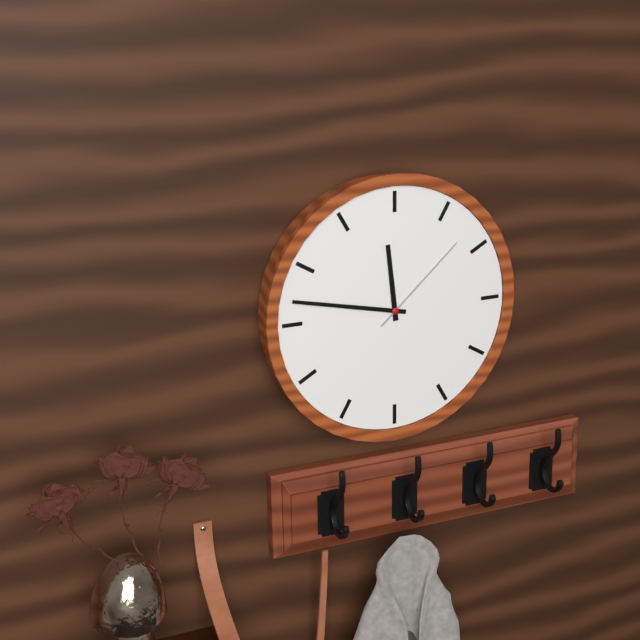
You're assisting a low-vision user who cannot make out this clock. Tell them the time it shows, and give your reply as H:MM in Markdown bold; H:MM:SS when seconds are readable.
**11:47:08**
